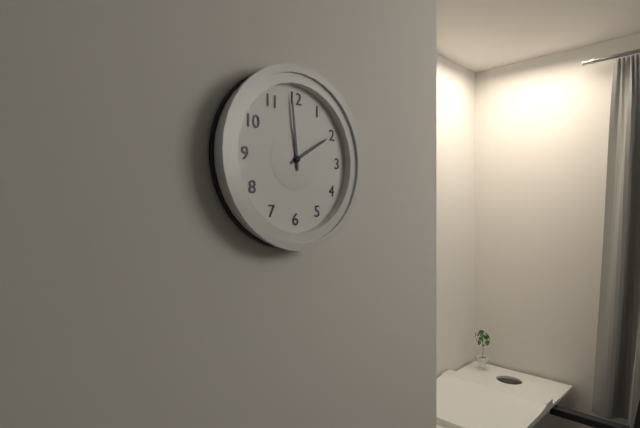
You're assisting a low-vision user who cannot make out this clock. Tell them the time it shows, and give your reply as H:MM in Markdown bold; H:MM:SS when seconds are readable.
**1:59**
